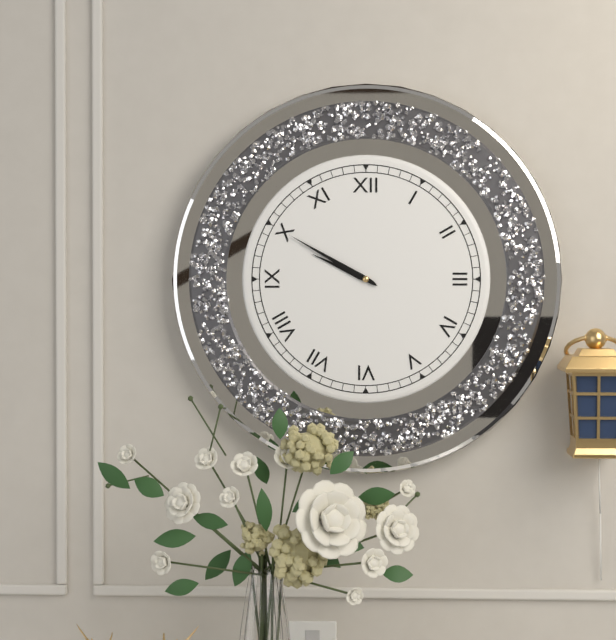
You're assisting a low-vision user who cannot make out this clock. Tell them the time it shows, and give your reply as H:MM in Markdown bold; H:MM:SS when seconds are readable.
**9:50**
